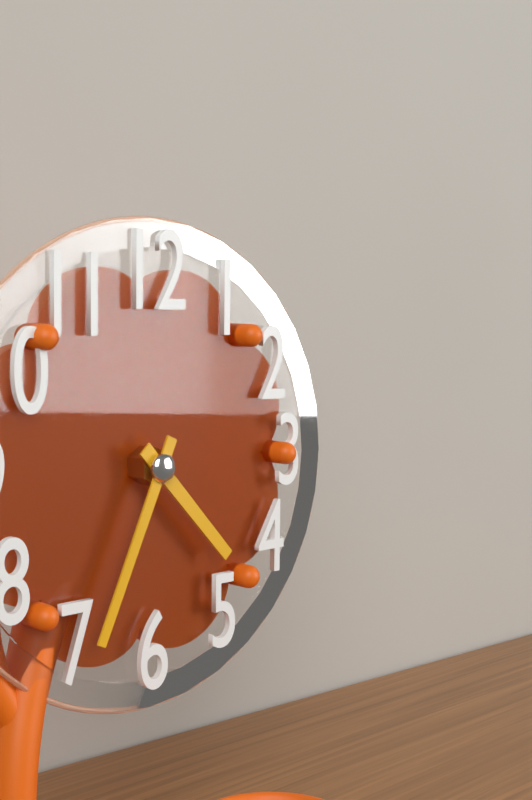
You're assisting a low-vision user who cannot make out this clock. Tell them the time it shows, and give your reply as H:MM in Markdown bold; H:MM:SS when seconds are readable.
**4:34**
